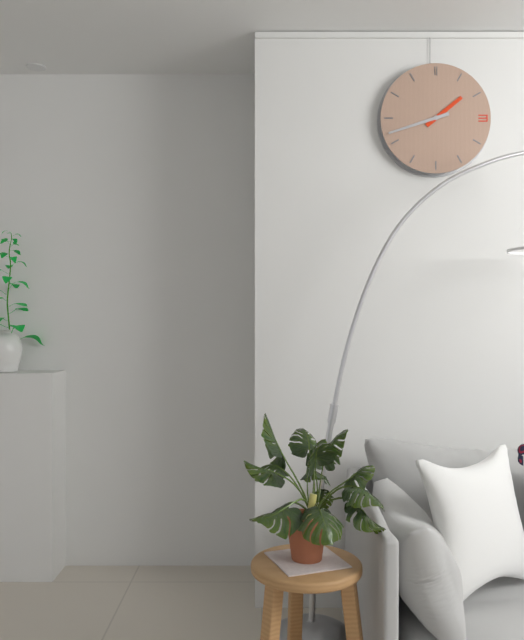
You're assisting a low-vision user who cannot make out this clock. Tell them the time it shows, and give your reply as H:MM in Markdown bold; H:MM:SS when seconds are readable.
**1:42**
